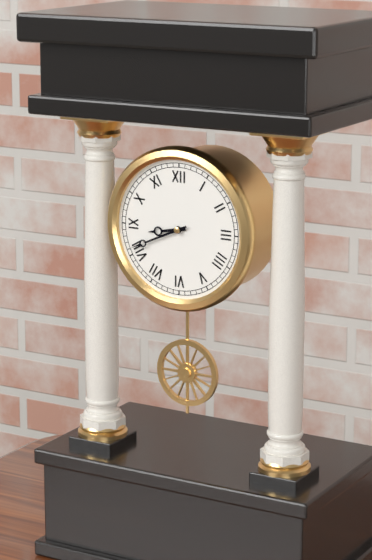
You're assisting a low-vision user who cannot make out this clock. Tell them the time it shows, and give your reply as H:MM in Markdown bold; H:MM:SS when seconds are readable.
**8:41**
